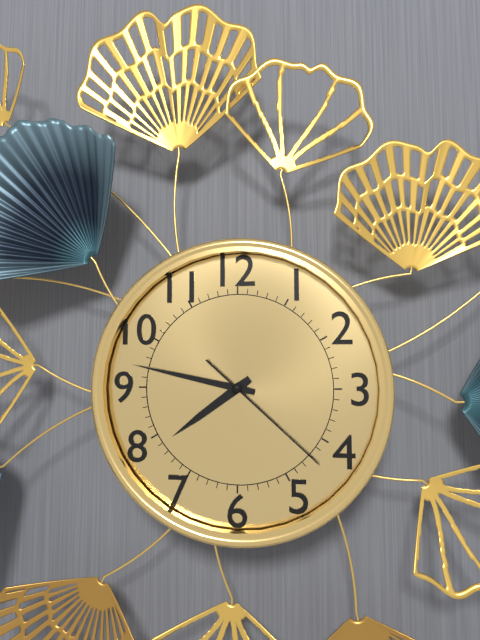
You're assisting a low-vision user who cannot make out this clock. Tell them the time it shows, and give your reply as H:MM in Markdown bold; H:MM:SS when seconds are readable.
**7:47:22**
